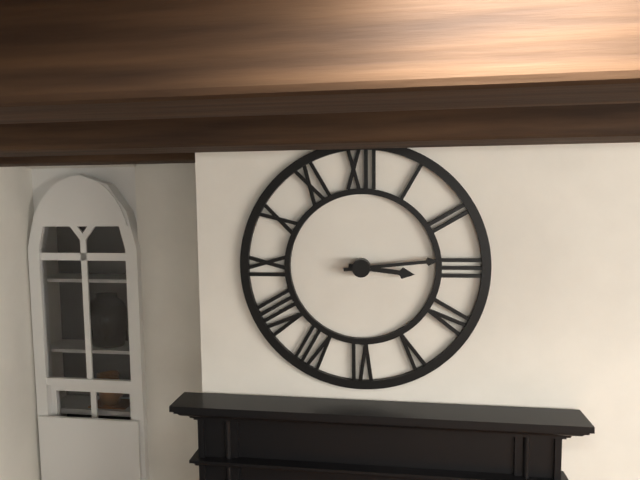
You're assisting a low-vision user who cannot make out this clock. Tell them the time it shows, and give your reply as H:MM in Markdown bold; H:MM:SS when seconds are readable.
**3:14**
